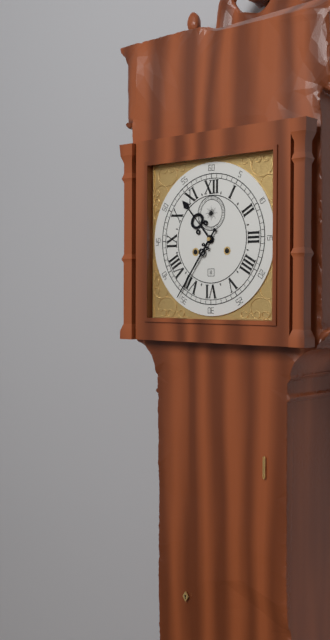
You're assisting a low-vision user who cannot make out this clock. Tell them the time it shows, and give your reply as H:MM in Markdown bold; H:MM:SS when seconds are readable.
**10:36**
